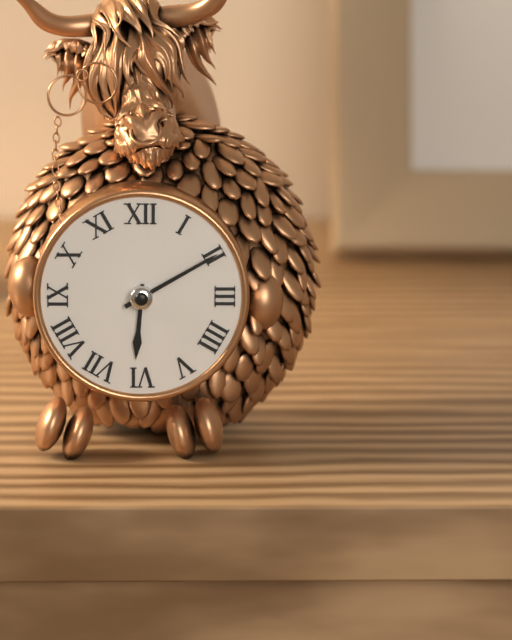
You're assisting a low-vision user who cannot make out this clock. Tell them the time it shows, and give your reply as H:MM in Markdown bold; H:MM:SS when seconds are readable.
**6:10**
